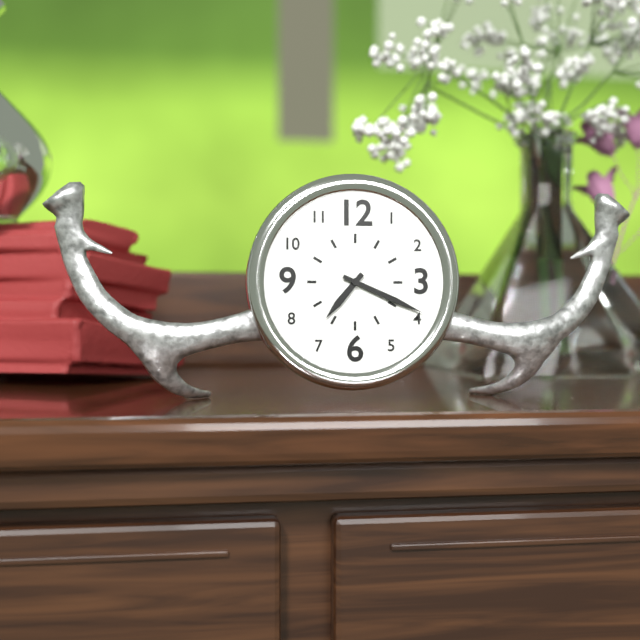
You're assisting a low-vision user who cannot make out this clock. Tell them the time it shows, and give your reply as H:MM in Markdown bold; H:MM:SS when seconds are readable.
**7:19**
